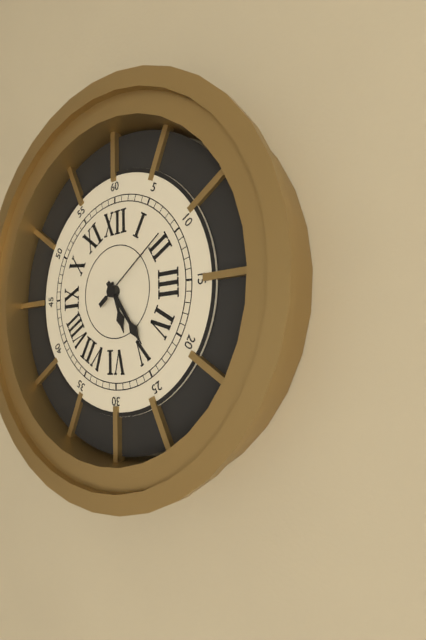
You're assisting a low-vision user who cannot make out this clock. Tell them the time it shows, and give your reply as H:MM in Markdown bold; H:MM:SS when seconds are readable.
**5:24:09**
